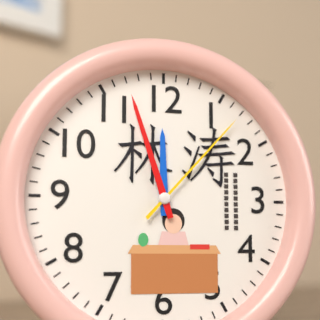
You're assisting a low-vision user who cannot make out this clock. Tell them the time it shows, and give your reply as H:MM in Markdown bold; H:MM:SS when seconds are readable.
**11:57:07**
